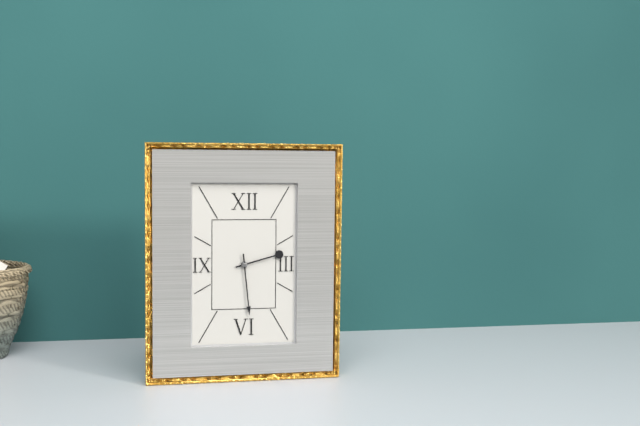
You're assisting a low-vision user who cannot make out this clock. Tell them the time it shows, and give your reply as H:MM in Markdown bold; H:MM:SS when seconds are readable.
**2:29**
